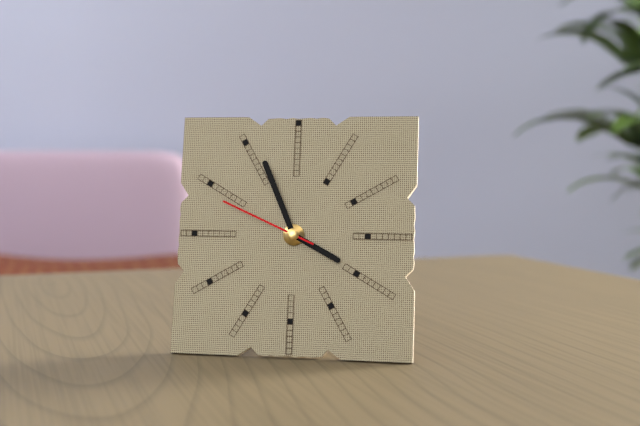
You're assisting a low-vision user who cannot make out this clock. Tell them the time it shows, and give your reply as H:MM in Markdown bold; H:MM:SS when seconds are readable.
**3:56:49**
